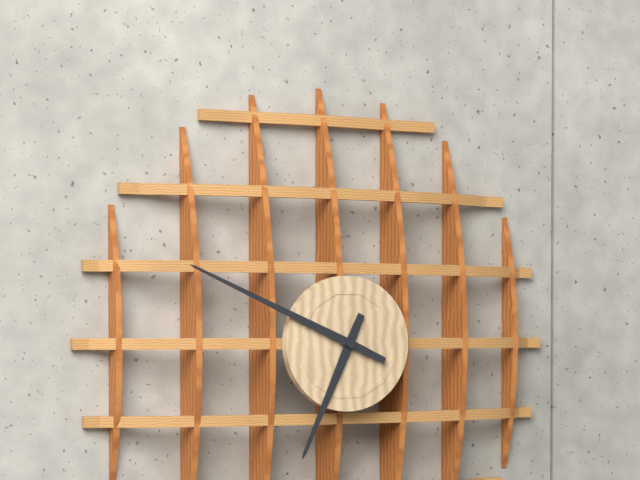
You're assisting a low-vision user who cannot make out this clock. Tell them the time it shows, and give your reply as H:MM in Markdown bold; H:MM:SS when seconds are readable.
**6:49**
